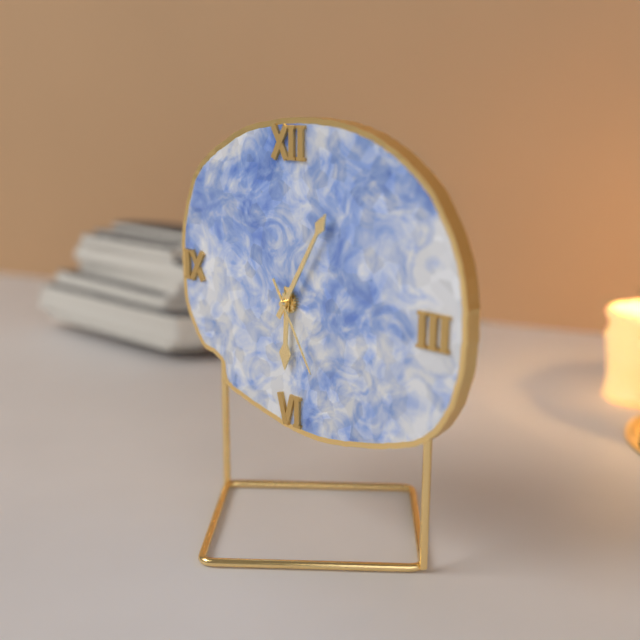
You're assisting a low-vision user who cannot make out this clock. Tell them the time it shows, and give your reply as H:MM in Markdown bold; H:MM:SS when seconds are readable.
**6:05:25**
